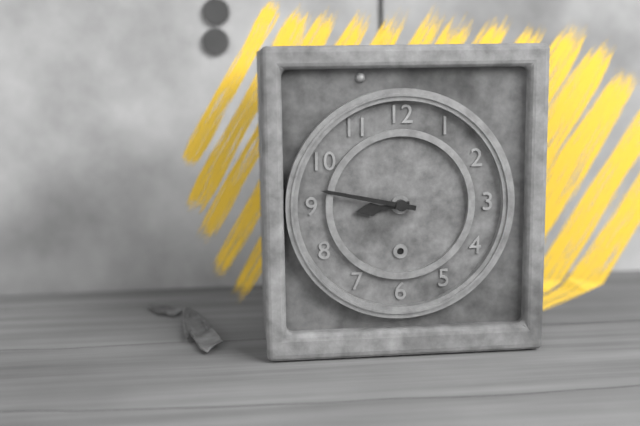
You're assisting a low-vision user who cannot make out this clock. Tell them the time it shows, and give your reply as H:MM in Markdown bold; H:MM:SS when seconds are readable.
**8:47**
